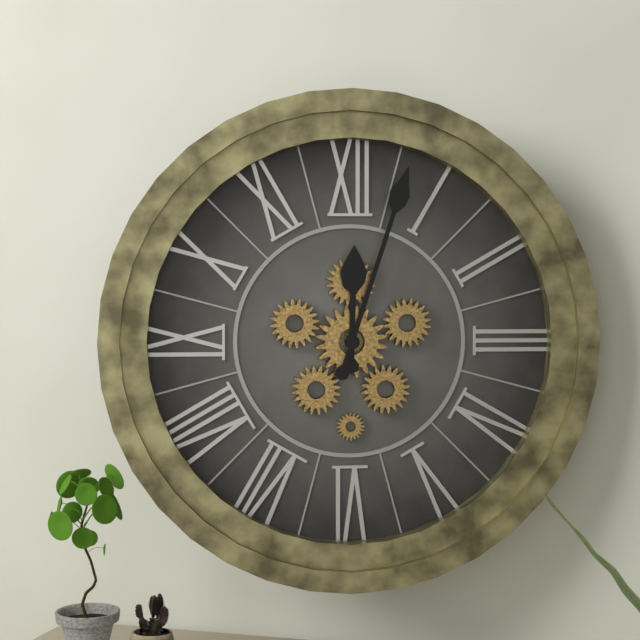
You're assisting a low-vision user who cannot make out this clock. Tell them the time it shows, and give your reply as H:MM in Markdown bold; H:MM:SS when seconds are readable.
**12:03**
